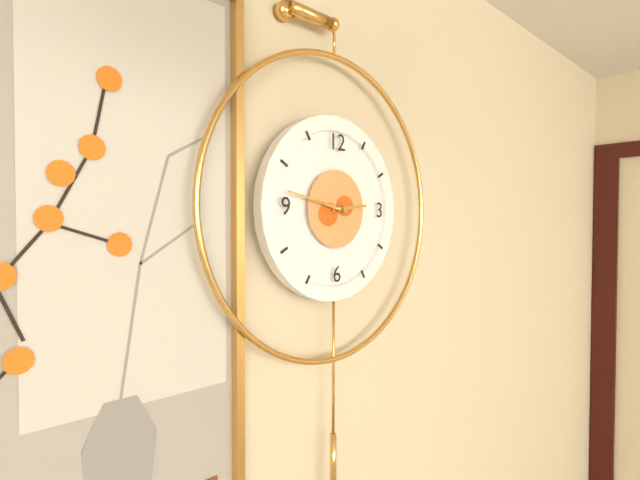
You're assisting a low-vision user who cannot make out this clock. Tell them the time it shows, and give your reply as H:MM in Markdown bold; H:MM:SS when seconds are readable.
**2:47**
